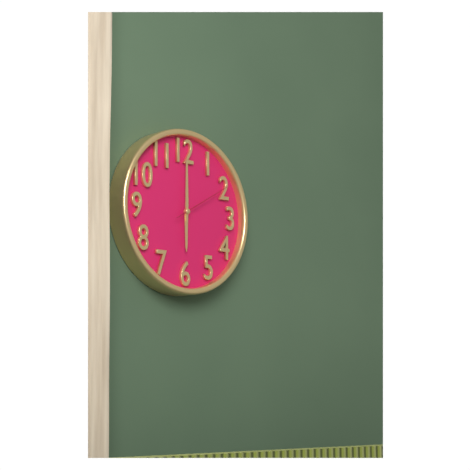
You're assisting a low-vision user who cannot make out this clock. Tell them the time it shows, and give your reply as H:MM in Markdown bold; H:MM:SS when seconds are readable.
**6:00:10**
